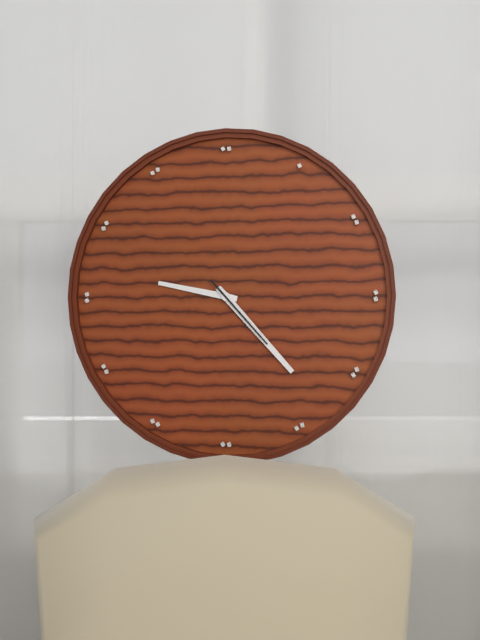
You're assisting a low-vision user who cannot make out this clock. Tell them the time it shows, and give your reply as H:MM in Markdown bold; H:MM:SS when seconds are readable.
**9:23:23**
